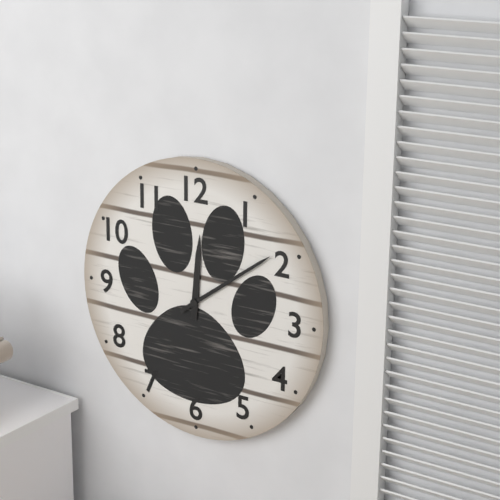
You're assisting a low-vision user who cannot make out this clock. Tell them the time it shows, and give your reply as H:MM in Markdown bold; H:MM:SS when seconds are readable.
**12:09**
